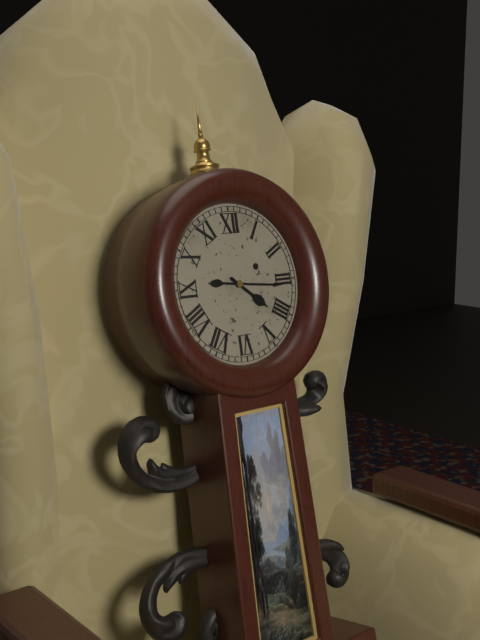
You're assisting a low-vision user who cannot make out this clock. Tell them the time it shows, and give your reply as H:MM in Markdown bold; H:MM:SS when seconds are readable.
**4:16**
